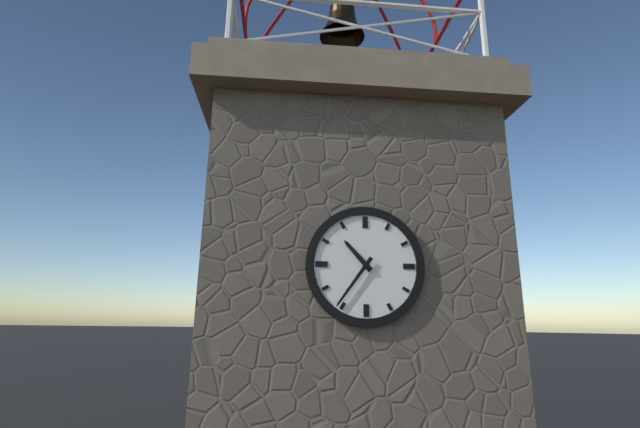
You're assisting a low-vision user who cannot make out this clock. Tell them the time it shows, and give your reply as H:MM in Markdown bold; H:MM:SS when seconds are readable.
**10:36**
